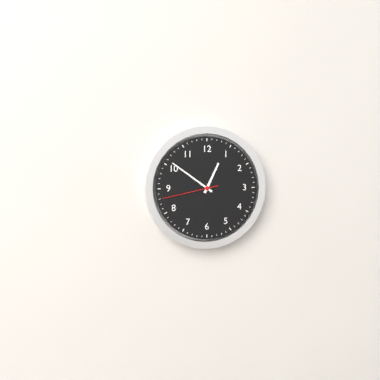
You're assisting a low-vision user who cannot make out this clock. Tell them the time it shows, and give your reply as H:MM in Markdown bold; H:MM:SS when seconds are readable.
**12:51:43**
